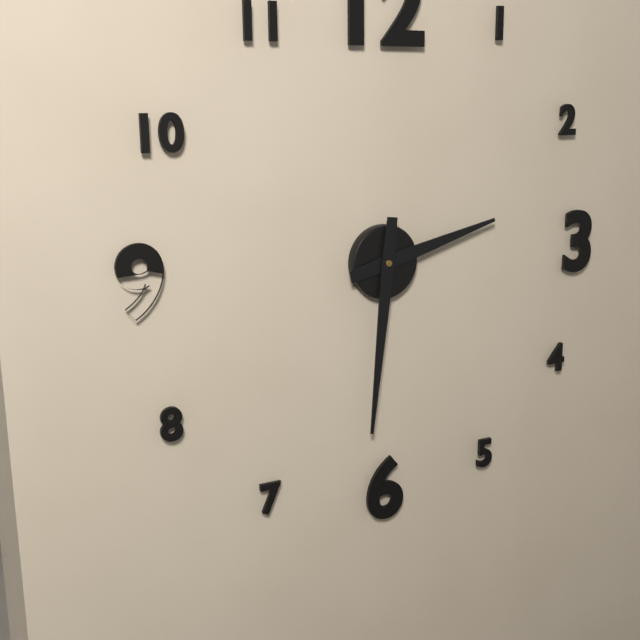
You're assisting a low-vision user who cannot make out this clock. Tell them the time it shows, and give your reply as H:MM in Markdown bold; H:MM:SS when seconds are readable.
**2:31**
